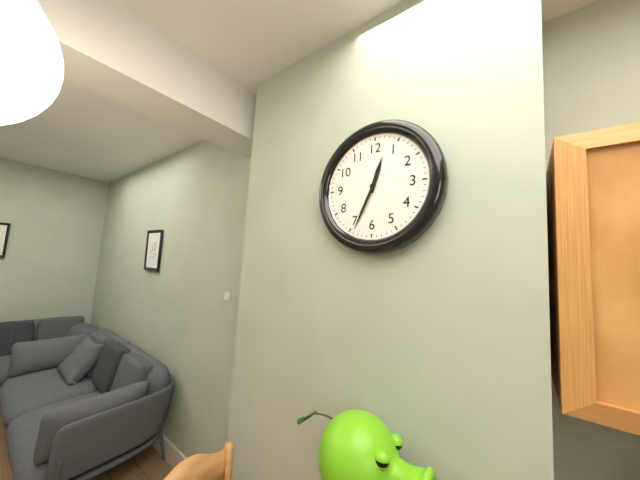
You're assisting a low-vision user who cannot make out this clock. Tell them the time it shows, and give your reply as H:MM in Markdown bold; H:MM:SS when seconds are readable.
**12:34**
